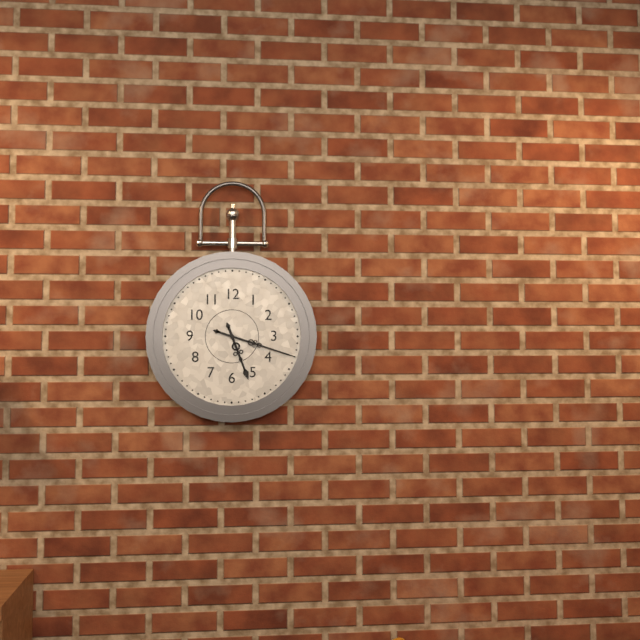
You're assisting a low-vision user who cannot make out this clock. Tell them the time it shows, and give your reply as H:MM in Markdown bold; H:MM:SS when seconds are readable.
**5:18**
